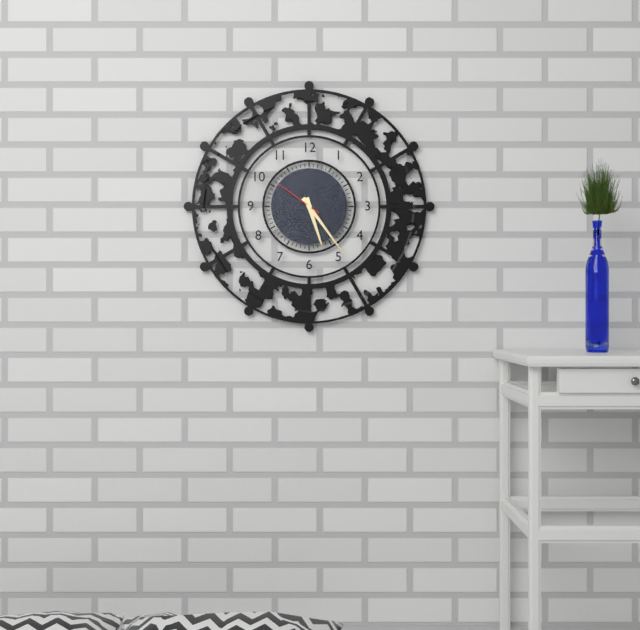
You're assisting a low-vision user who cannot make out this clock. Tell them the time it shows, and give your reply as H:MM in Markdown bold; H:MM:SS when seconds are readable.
**5:24:51**
